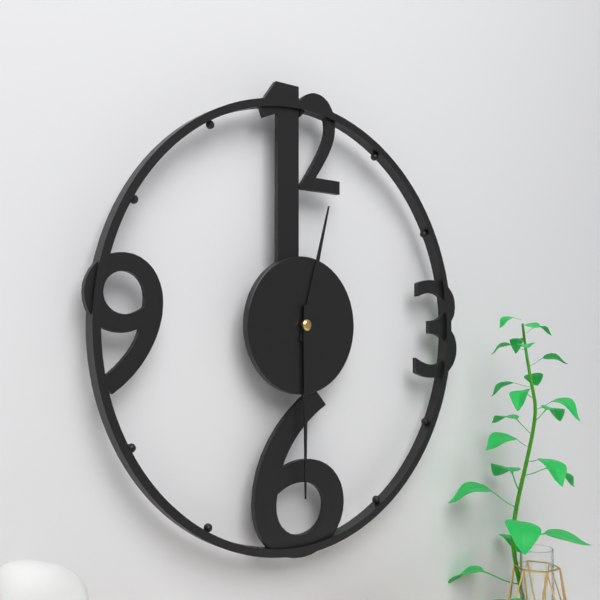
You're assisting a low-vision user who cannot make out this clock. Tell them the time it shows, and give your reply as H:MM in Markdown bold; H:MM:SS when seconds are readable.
**12:30**
